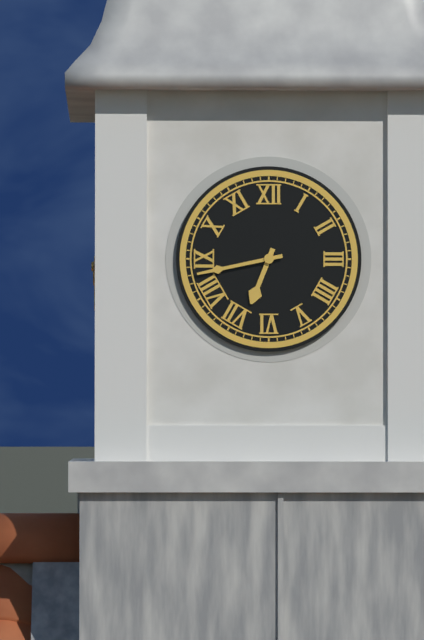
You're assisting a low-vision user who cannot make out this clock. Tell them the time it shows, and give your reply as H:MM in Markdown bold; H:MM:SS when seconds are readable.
**6:43**
